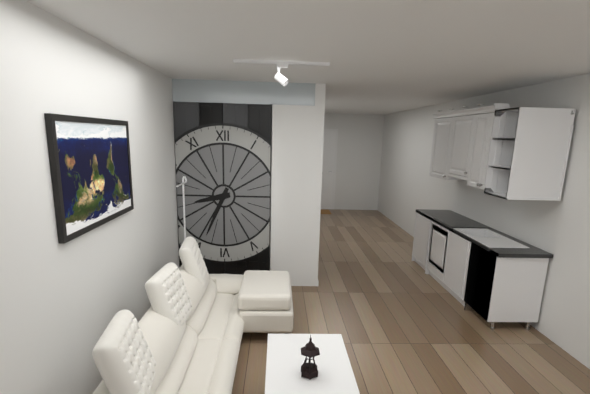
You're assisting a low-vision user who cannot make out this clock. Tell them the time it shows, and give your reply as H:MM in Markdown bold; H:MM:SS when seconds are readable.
**8:34**
